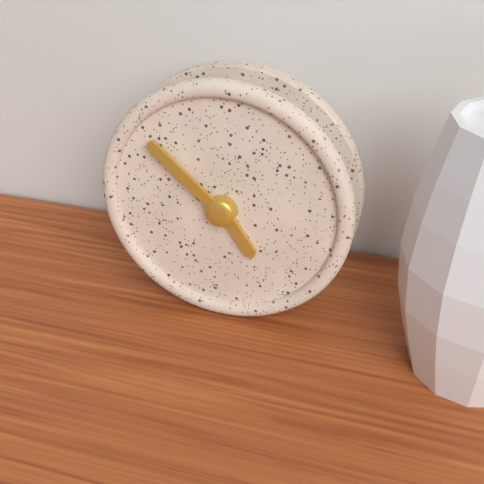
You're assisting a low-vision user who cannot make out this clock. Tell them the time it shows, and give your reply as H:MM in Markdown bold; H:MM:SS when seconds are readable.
**4:52**
